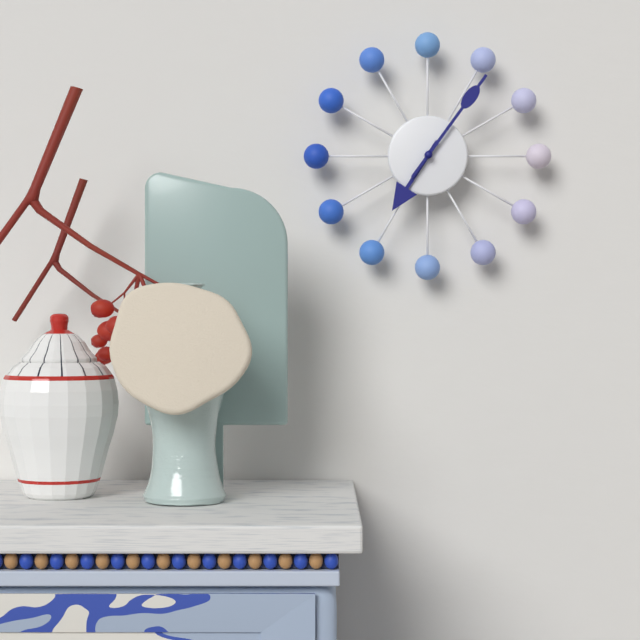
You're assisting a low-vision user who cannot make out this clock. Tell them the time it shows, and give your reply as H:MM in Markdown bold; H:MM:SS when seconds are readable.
**7:06**
